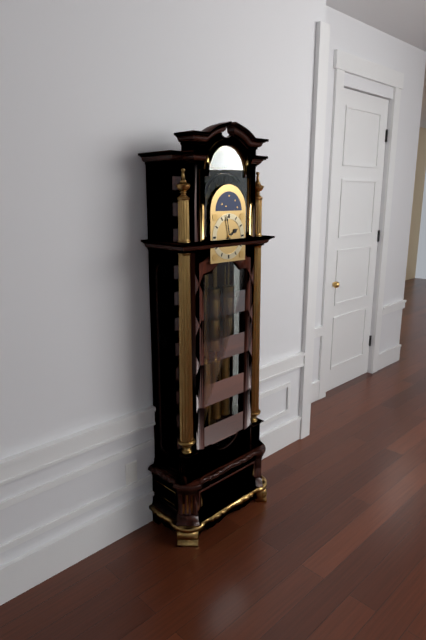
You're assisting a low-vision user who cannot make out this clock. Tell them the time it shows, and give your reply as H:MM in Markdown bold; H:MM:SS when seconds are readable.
**1:58**
